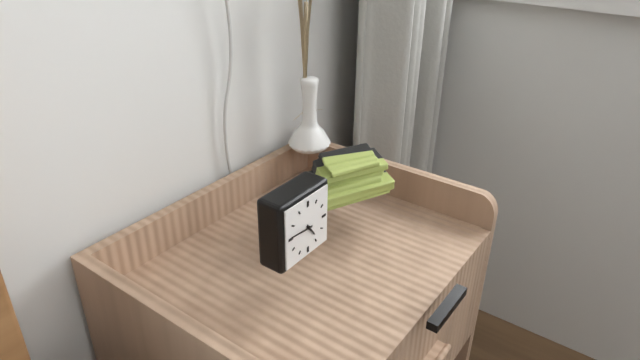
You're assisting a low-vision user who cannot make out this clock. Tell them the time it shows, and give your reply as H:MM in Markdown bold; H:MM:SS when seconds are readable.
**4:46**
